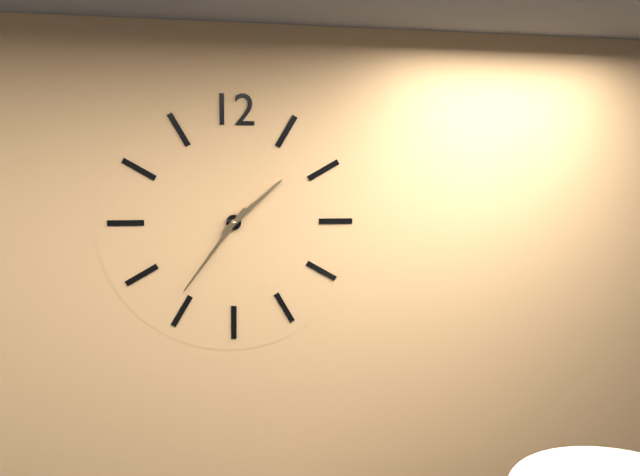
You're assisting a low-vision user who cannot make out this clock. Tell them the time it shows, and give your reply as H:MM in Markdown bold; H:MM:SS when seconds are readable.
**1:36**
